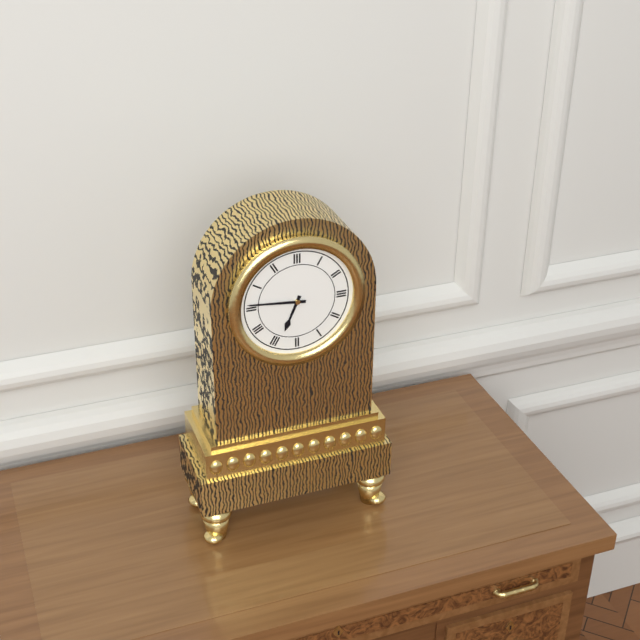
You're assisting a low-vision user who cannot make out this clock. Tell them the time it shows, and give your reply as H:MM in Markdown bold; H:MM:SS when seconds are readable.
**6:46**
